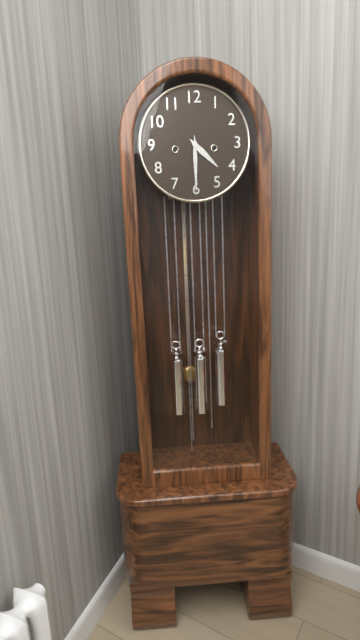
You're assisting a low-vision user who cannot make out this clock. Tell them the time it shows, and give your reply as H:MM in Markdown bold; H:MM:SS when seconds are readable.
**4:30**
